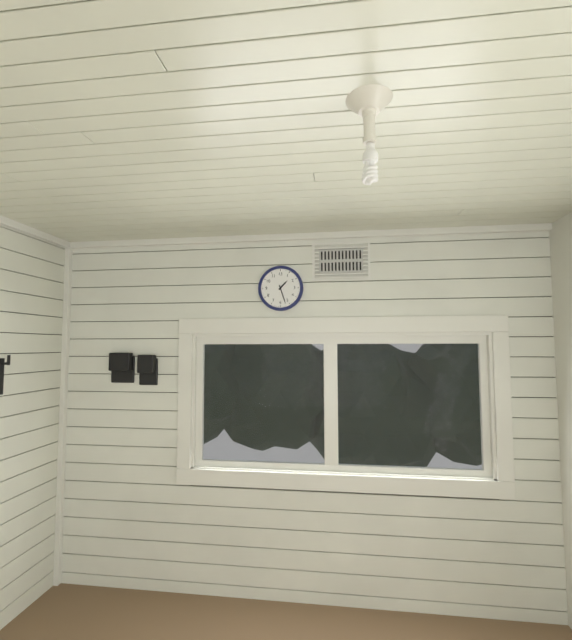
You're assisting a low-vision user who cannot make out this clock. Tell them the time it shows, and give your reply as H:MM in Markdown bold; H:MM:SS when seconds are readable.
**1:27**
